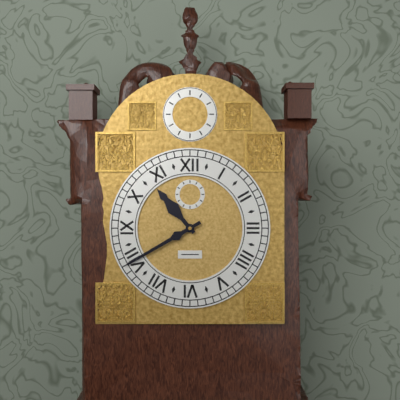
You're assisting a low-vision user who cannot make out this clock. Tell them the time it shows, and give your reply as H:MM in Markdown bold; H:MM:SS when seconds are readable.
**10:40**
